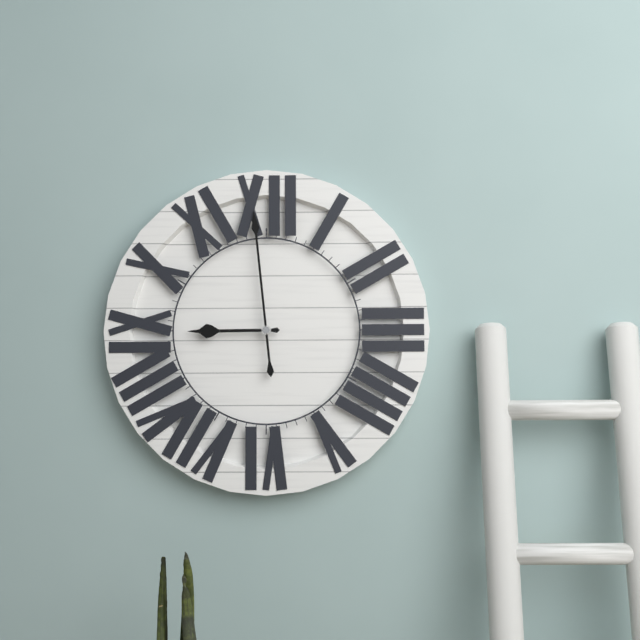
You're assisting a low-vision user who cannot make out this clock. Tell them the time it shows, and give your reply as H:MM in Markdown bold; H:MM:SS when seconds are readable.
**8:59**
